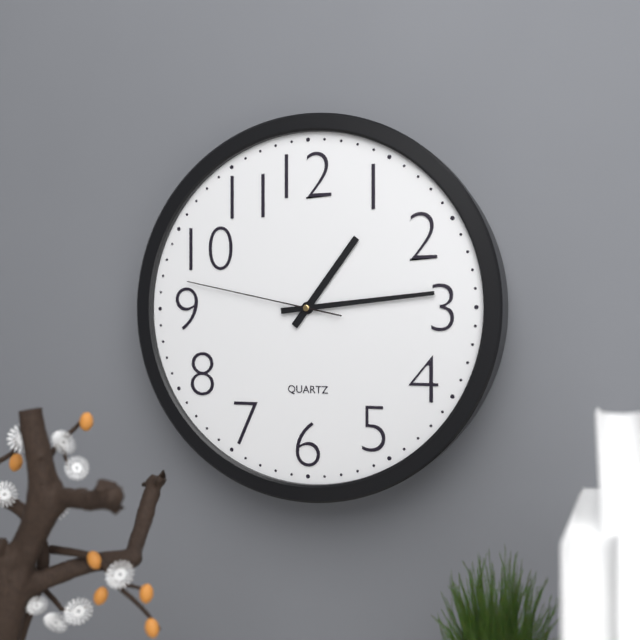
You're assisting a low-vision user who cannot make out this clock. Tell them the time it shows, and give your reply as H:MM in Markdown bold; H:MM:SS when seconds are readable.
**1:14:47**
